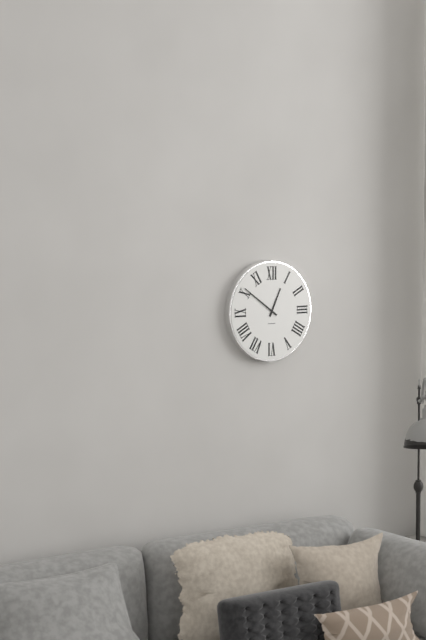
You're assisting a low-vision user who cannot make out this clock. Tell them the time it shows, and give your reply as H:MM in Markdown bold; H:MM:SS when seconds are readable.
**12:51**
